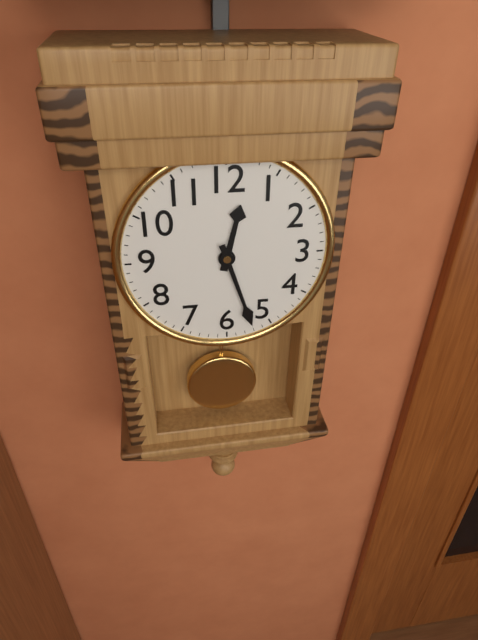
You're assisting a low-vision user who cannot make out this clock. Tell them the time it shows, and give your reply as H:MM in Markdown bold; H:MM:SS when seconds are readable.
**12:27**
